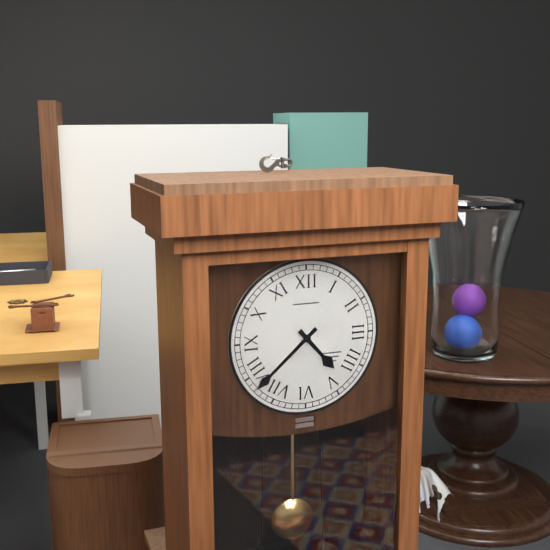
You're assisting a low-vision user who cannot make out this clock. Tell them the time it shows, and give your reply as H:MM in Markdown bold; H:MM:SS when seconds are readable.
**4:38**
